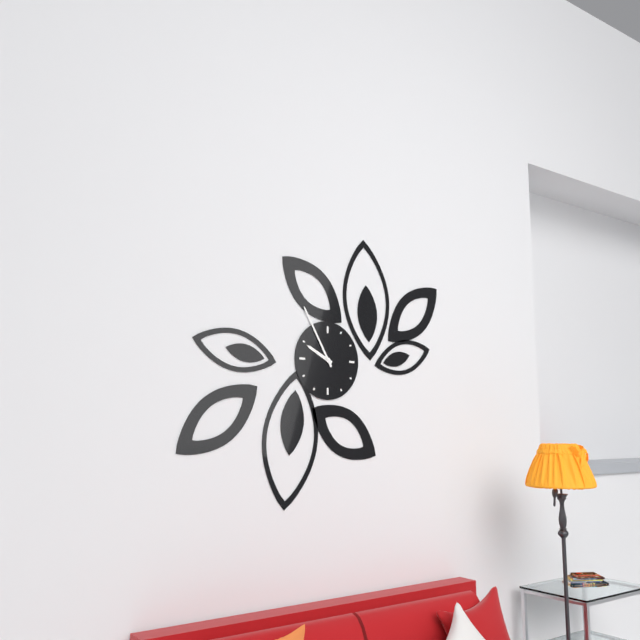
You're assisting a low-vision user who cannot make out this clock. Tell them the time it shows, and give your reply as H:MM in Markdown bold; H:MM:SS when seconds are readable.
**9:55**
